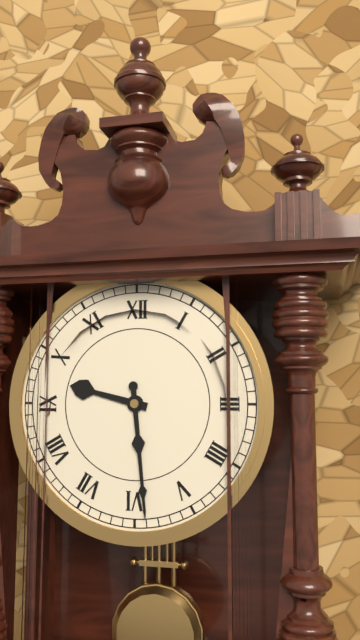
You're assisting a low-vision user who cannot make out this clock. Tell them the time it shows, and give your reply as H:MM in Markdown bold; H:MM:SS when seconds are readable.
**9:29**
